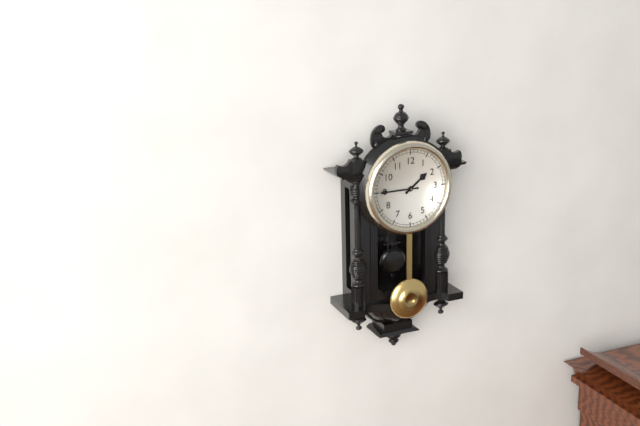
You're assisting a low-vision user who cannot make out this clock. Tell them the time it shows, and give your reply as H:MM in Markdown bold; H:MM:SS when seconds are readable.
**1:45**
